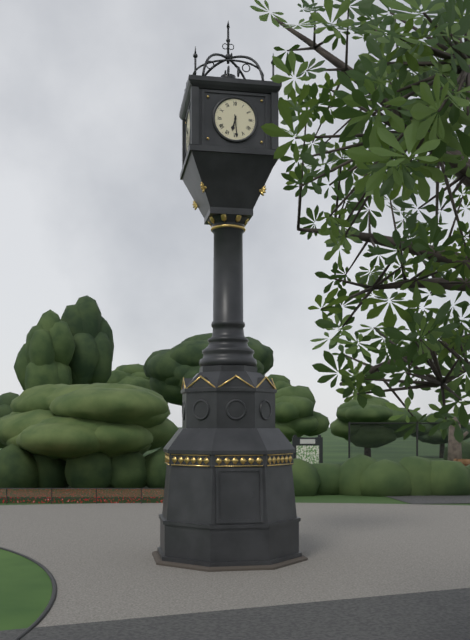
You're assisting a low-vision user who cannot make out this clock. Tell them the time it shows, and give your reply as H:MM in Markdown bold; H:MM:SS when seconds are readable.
**6:29**
